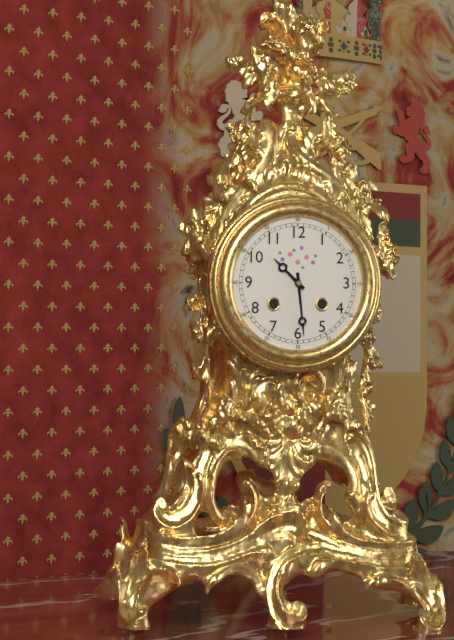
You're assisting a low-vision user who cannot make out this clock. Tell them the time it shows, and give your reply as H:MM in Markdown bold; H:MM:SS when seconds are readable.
**10:29**
